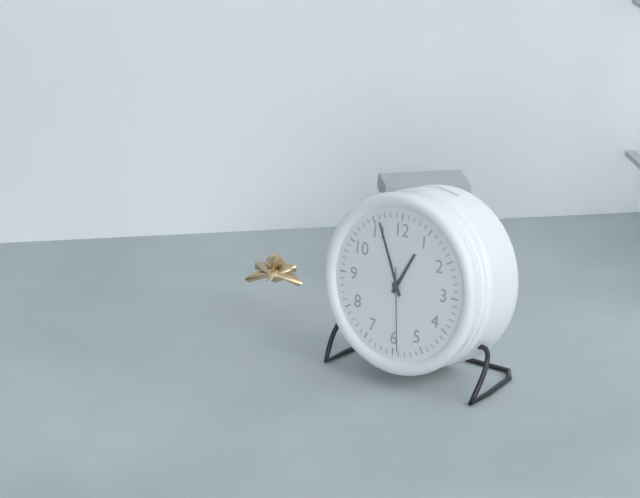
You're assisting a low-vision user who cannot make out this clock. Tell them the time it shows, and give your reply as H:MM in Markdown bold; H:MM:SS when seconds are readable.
**12:56:29**
